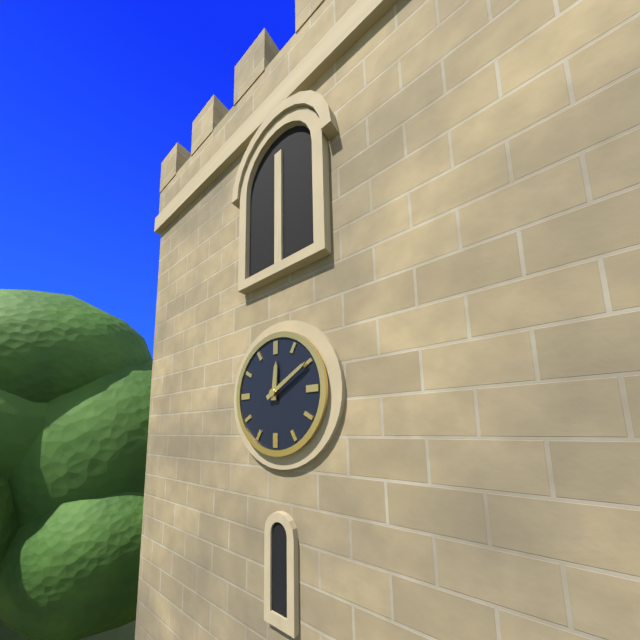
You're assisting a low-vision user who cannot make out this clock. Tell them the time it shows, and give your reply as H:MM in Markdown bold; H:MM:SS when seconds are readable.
**12:10**
